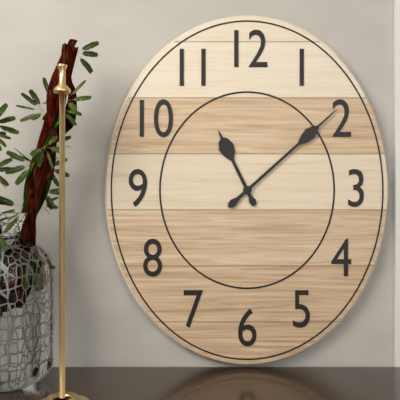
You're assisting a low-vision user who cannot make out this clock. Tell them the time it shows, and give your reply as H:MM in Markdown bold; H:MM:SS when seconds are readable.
**11:08**
